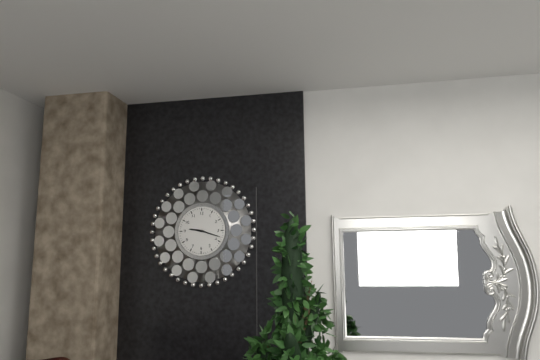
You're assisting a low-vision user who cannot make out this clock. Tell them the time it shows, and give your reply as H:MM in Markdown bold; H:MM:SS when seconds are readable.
**9:18**
